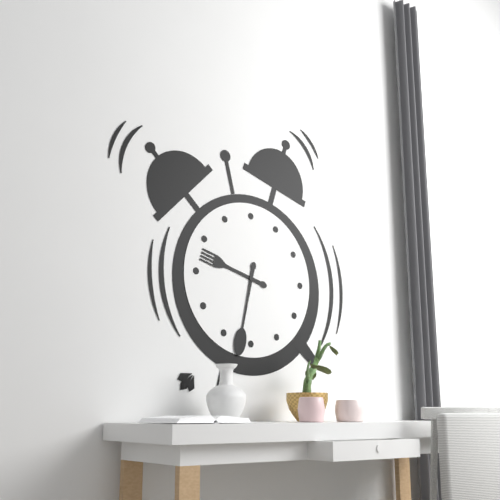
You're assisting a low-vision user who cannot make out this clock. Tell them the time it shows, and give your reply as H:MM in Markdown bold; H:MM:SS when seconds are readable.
**9:32**
